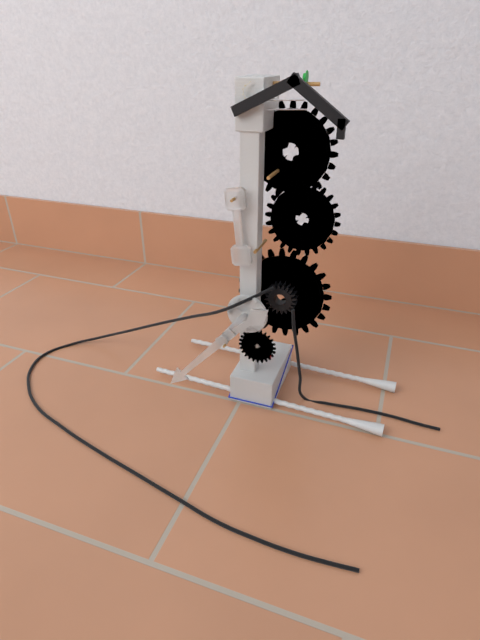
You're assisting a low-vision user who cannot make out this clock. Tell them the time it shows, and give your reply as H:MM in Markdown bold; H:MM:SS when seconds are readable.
**1:37**
